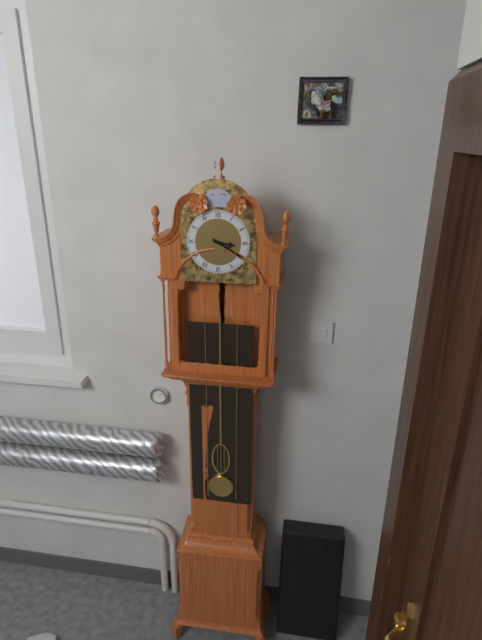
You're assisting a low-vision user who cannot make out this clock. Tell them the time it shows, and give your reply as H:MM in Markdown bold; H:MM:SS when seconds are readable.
**3:20**
